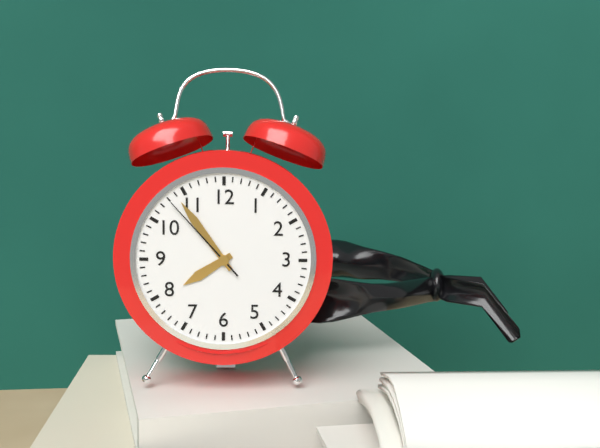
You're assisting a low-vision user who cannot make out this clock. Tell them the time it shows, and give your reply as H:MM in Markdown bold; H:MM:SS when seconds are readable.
**7:54:53**
